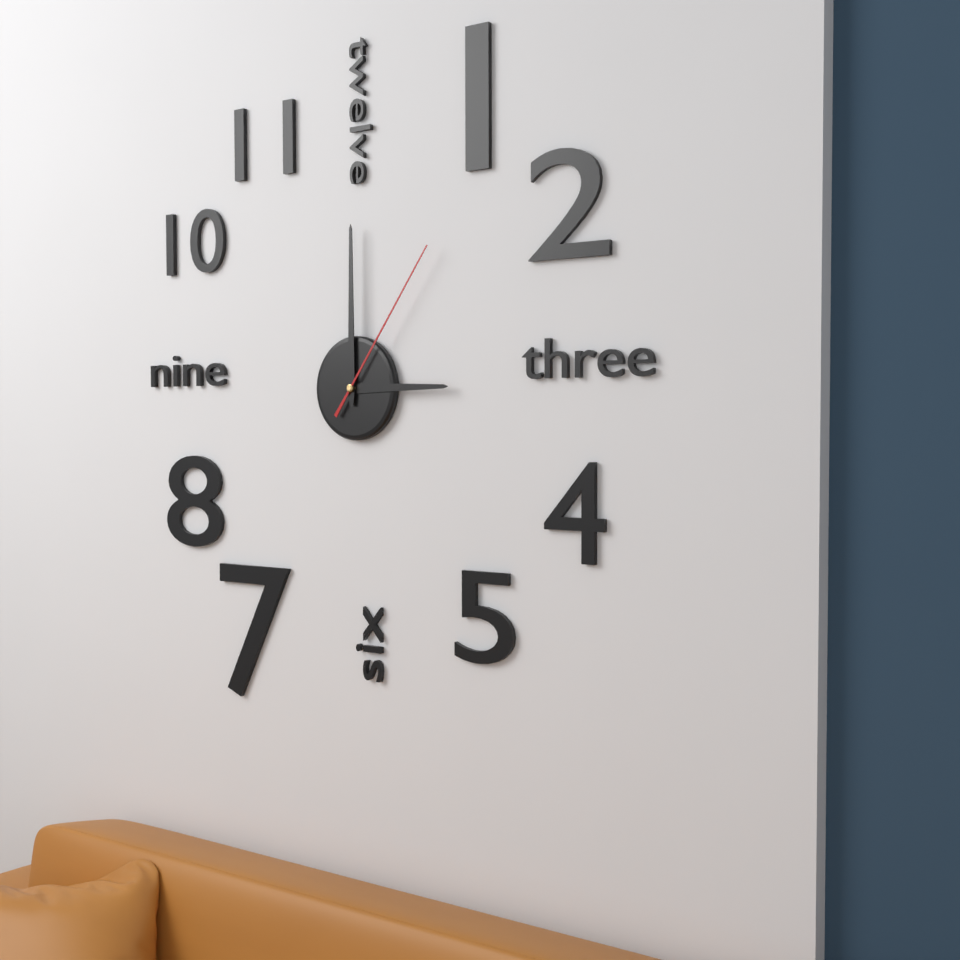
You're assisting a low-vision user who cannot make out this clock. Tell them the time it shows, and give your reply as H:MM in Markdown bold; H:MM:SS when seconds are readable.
**3:00:06**
